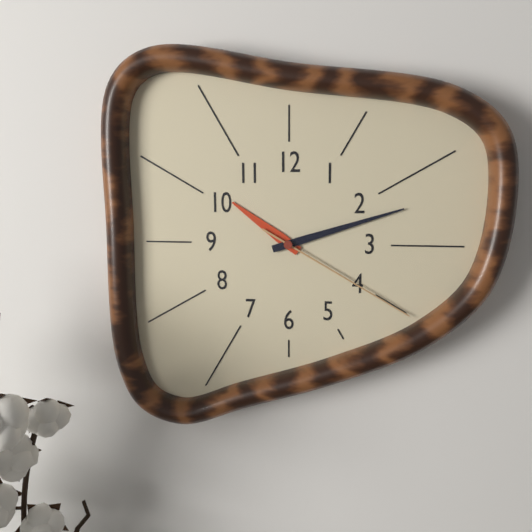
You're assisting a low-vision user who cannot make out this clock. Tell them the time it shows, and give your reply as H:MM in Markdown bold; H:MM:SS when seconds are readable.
**10:12:20**
